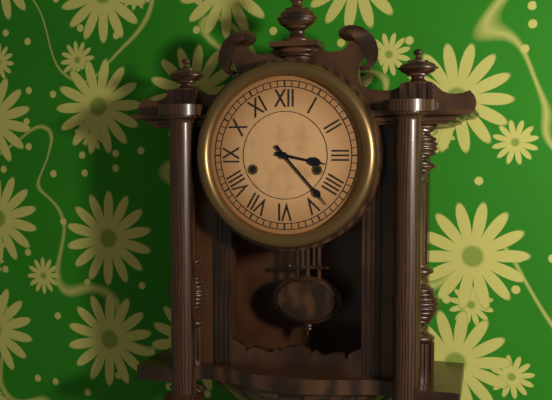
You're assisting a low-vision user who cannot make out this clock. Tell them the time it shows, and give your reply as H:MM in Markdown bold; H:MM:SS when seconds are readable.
**3:23**
